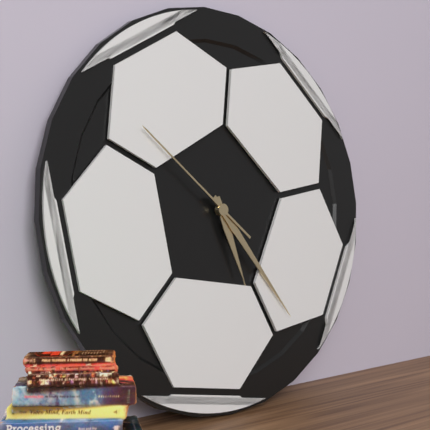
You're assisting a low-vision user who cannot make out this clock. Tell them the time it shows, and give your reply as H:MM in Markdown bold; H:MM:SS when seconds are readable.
**5:24:52**
